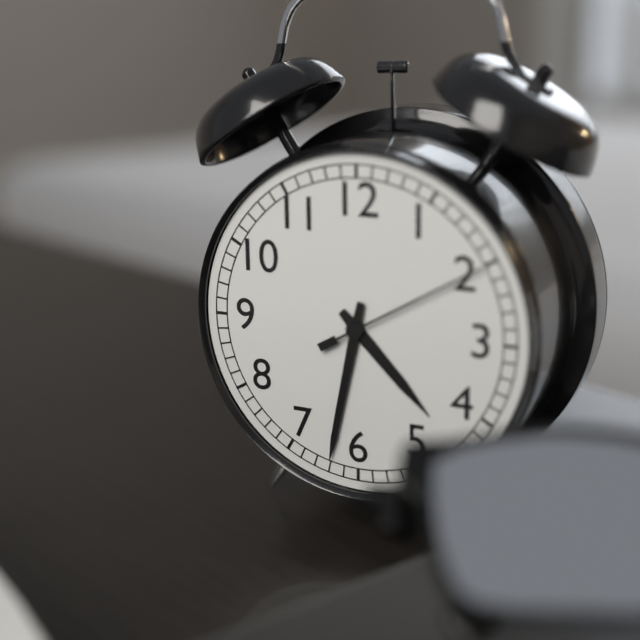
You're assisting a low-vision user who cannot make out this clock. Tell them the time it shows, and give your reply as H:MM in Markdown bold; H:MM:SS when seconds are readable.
**4:32:10**
